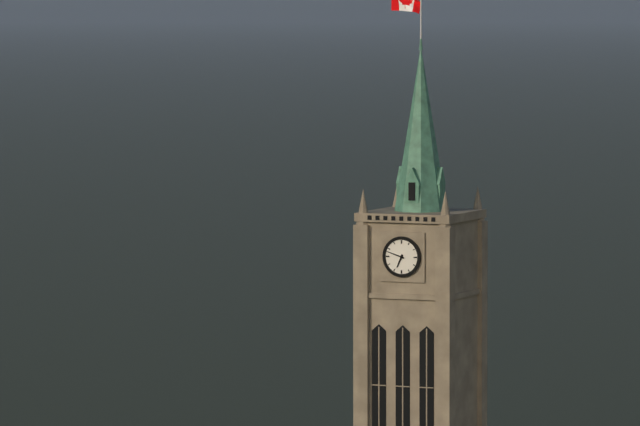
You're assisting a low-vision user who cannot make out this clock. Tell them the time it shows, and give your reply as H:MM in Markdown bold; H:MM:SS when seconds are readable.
**6:48**
